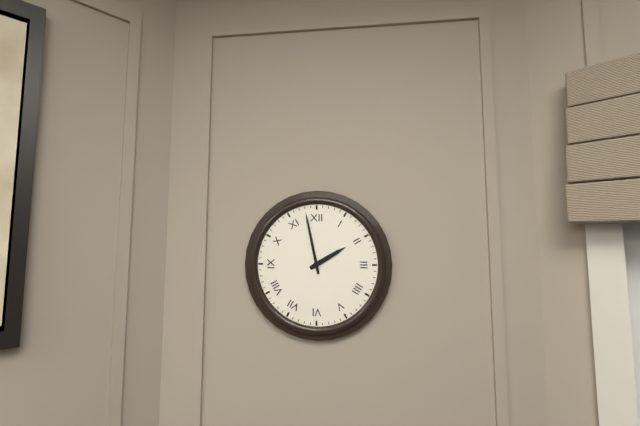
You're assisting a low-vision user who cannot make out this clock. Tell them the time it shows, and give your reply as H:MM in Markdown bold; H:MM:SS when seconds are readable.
**1:58**
